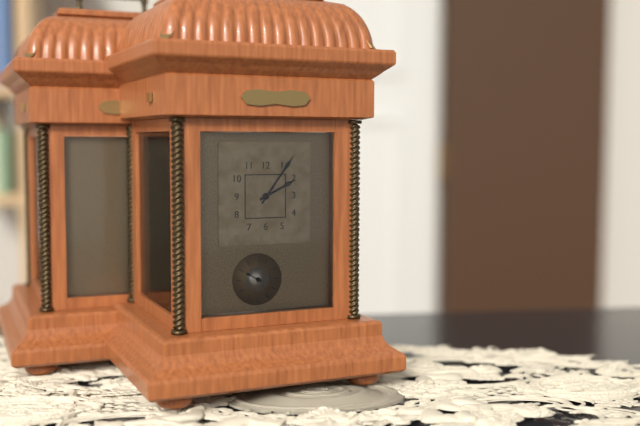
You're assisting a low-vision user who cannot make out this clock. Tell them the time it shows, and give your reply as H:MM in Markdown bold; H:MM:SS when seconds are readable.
**2:06**
